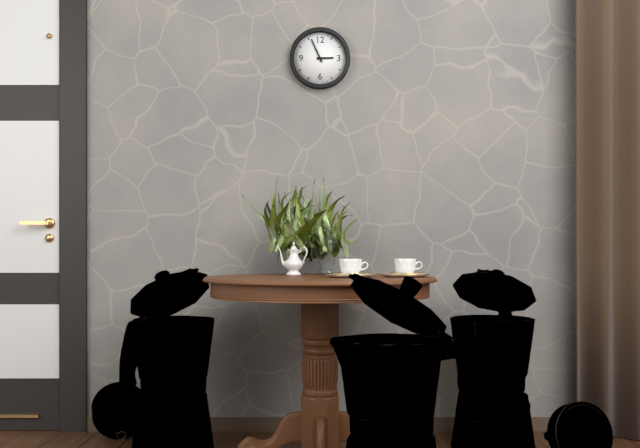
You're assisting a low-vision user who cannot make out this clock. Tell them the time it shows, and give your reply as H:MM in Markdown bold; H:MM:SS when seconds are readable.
**2:56**
